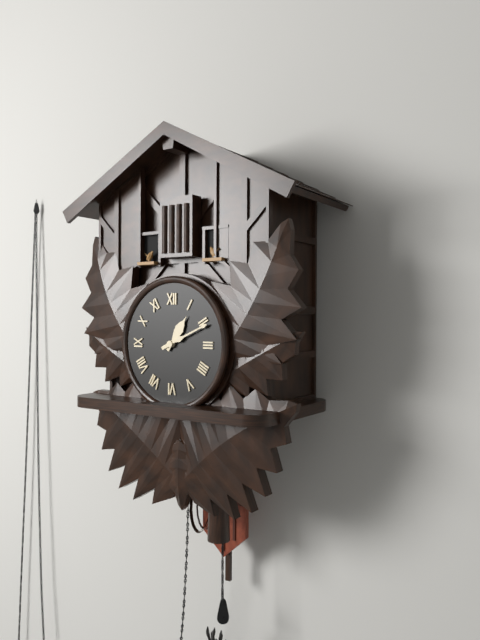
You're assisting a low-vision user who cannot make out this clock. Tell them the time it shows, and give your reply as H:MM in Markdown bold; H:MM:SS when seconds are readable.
**1:11**
